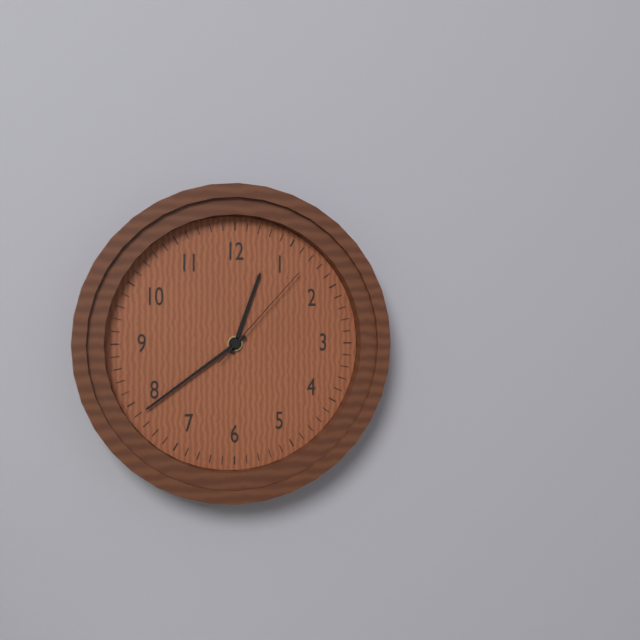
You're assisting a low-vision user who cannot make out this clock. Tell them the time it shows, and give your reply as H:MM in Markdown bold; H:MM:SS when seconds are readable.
**12:39:07**
